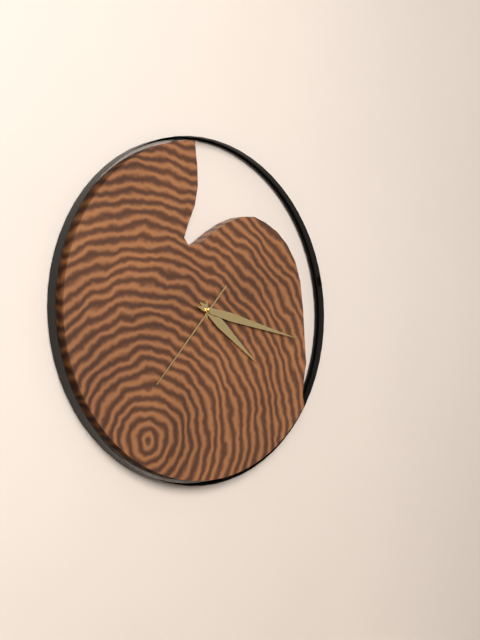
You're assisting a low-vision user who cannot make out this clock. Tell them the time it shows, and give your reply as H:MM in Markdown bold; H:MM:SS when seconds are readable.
**4:17:37**
